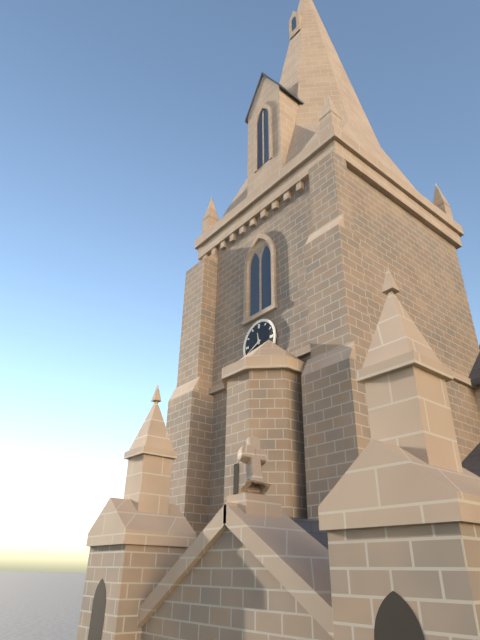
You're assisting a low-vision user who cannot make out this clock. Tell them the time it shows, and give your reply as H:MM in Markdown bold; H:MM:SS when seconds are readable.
**11:41**
